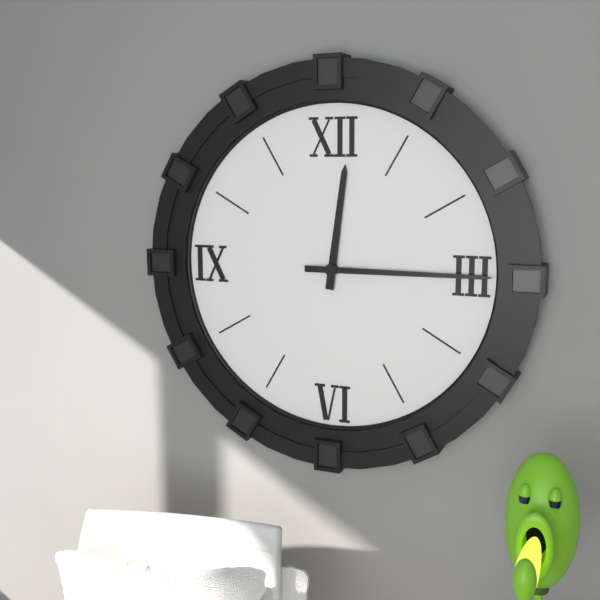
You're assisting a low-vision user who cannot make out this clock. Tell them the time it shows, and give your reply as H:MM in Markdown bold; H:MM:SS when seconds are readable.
**12:15**
